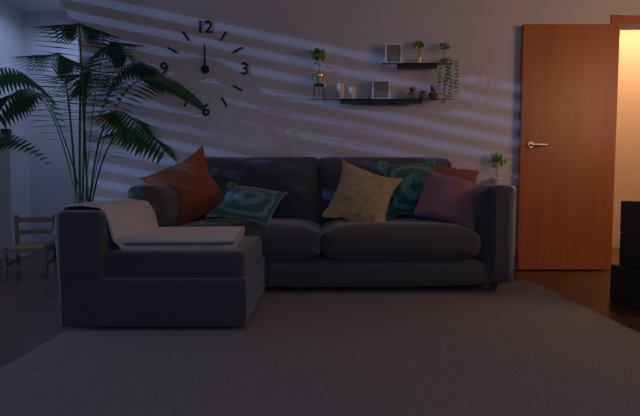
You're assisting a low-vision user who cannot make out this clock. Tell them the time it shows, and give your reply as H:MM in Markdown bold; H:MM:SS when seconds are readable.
**12:00**
